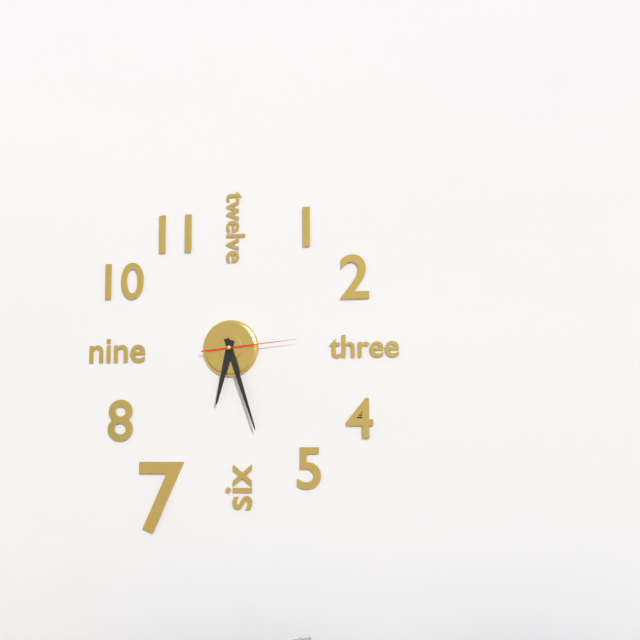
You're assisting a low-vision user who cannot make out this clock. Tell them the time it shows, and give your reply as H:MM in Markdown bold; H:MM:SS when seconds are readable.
**6:27:14**
